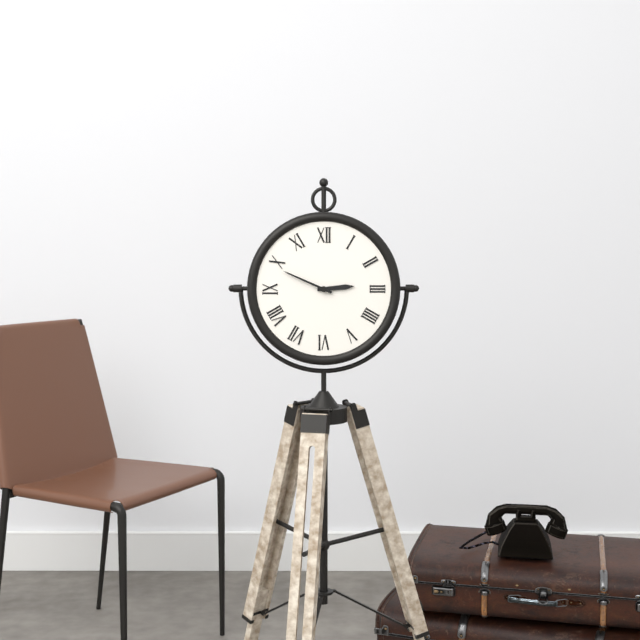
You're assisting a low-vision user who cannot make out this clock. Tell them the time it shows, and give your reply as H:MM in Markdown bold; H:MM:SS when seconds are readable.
**2:49**
